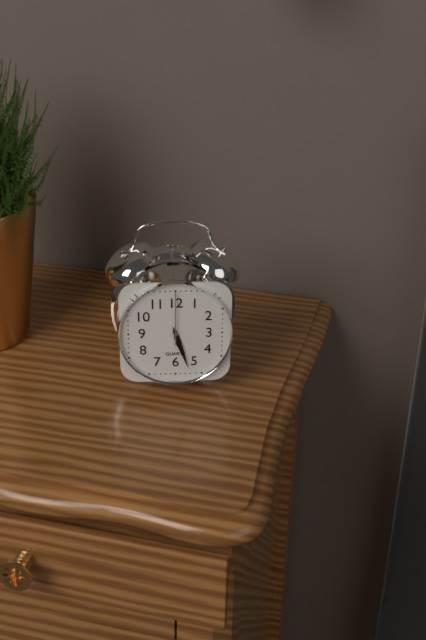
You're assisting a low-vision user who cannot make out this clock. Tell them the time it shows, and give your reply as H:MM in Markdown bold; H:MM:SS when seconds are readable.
**5:27:00**
